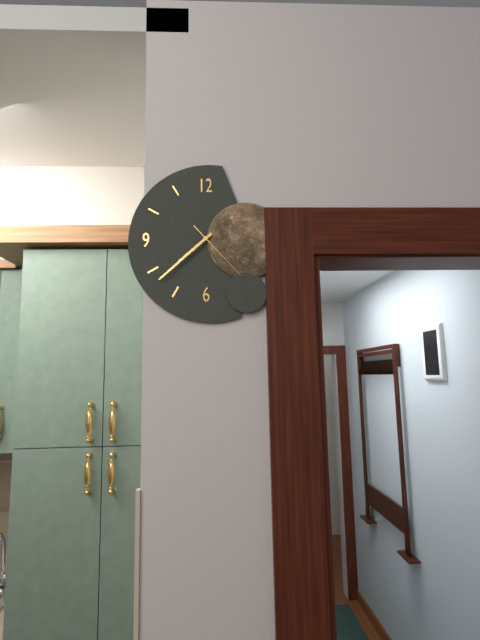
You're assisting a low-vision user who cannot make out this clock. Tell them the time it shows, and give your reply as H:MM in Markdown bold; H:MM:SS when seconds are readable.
**7:38:23**
